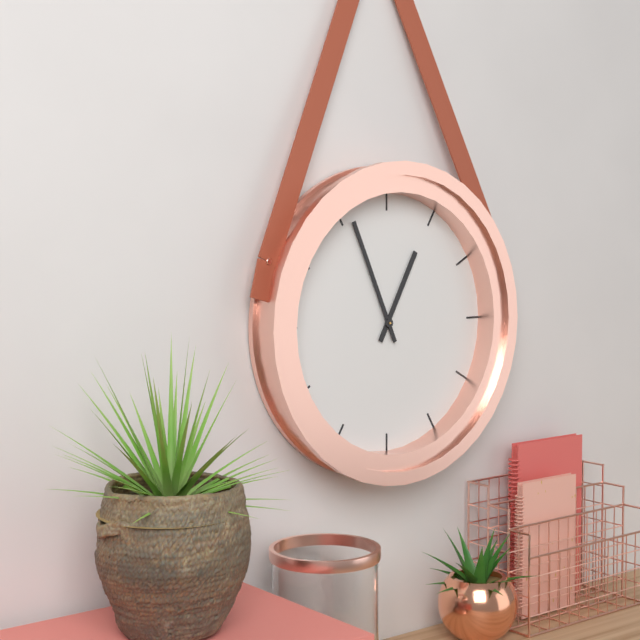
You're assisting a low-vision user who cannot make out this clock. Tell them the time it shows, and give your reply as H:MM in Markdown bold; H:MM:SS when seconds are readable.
**12:56**
